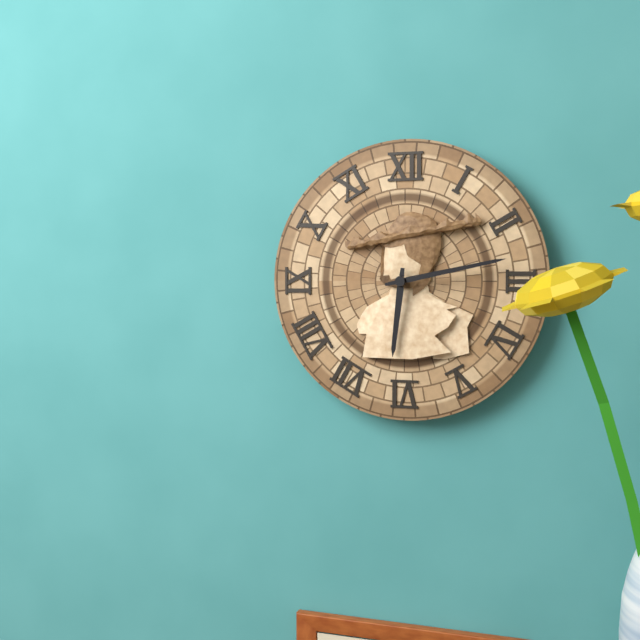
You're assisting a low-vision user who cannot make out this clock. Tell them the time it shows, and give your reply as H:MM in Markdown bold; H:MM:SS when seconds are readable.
**6:13**
